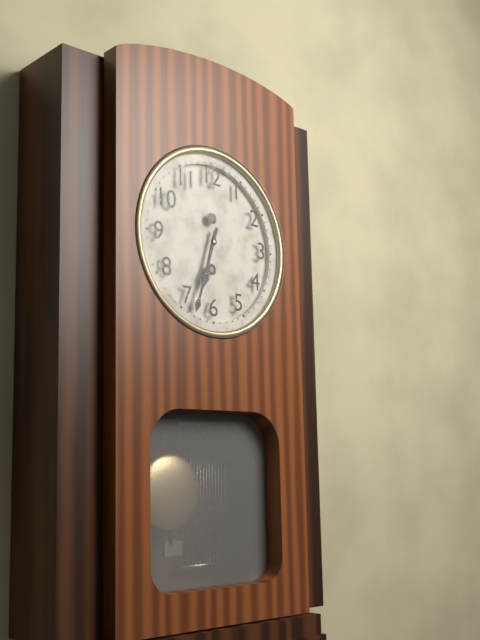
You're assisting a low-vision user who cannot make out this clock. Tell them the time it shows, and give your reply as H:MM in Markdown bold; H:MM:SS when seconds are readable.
**6:33**
